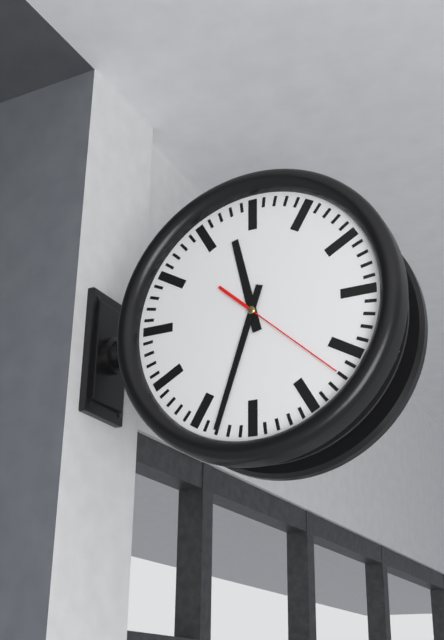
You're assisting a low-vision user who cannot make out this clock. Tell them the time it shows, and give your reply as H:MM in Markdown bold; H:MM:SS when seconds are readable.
**11:33:22**
